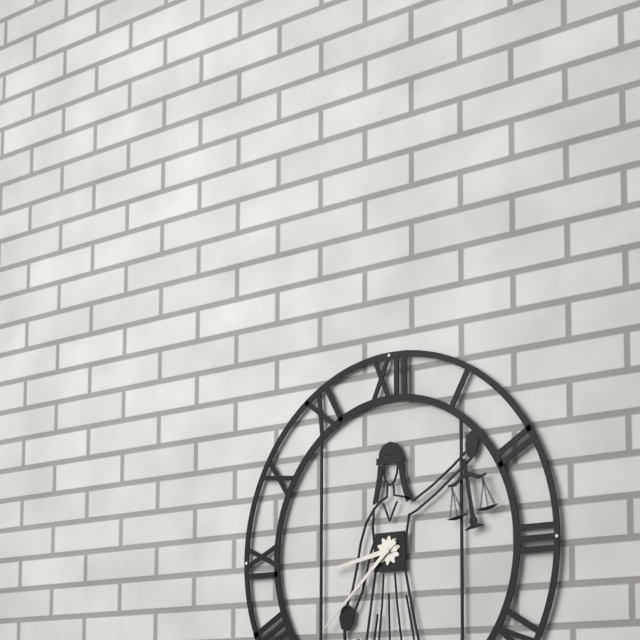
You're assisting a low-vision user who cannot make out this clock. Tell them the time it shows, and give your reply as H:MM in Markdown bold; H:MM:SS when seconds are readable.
**8:38**
